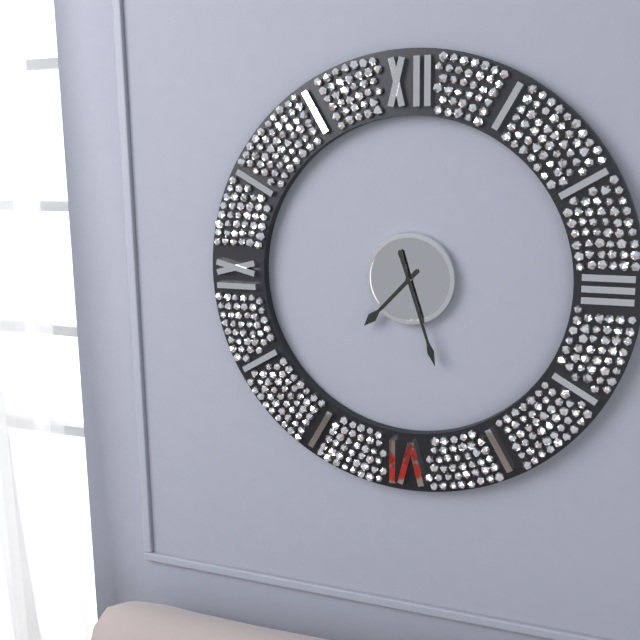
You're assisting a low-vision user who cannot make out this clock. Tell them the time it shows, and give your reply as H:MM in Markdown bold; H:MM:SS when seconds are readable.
**7:27**
